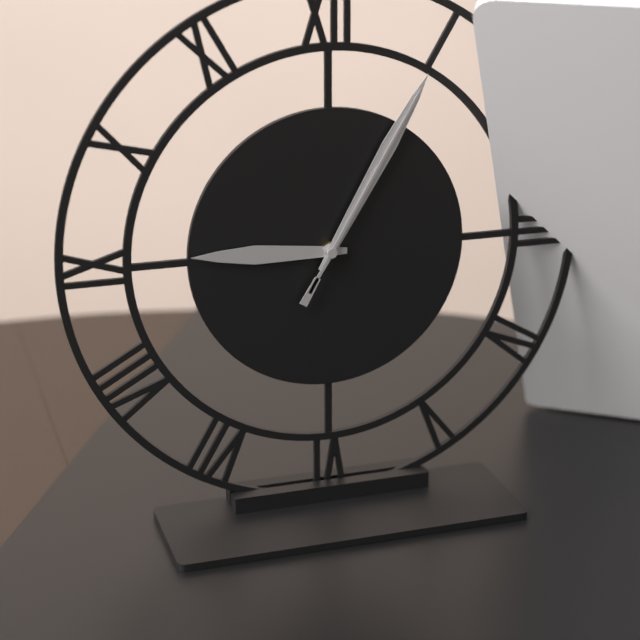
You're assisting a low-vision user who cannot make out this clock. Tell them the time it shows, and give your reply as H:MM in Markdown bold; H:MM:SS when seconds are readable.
**9:05:05**
